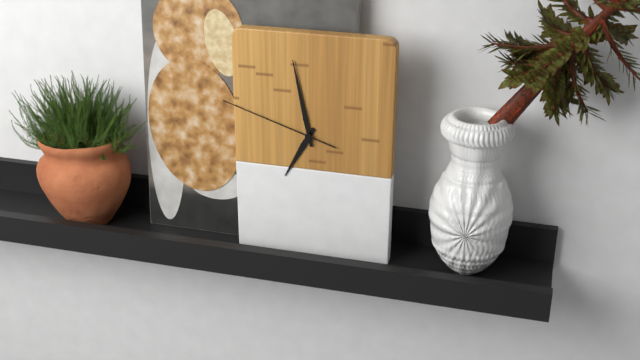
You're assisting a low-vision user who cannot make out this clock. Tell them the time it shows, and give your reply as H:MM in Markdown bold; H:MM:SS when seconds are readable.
**6:58:48**
